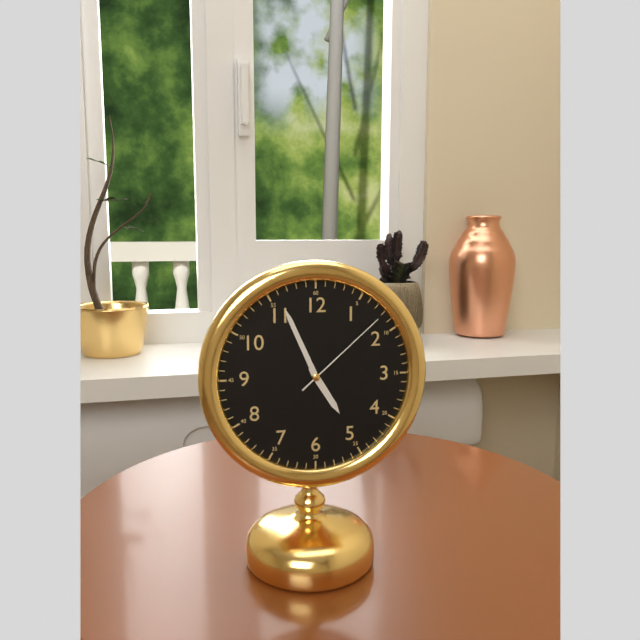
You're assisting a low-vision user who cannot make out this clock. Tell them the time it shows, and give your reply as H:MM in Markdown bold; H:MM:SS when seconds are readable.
**4:56:08**
